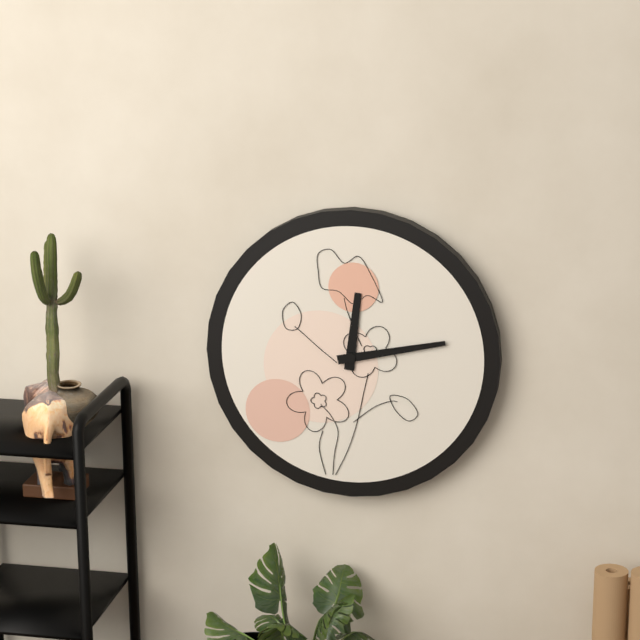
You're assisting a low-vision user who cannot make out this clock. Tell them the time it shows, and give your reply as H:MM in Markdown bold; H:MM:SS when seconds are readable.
**12:13**
